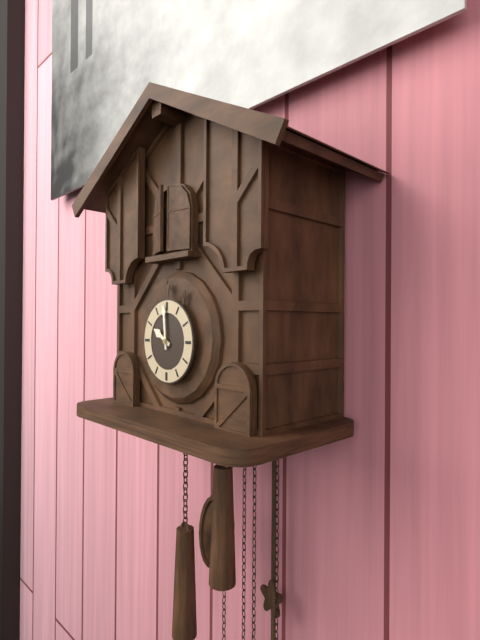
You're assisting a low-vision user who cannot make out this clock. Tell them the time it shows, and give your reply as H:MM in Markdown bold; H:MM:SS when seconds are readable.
**9:59**
